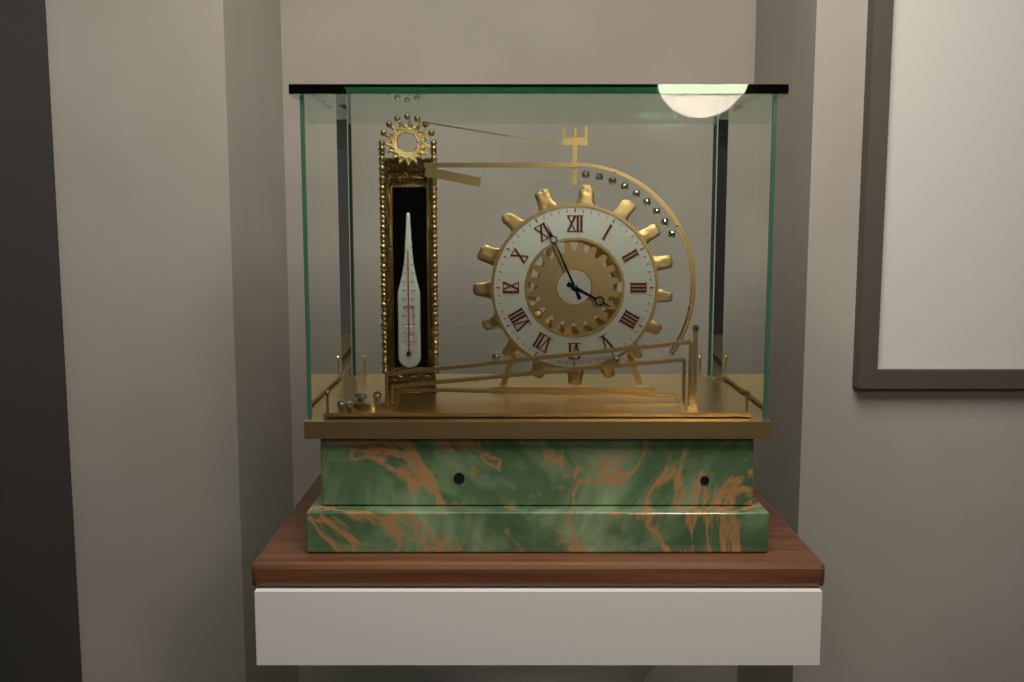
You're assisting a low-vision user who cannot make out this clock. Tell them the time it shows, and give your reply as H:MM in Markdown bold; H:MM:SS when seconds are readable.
**3:56**
